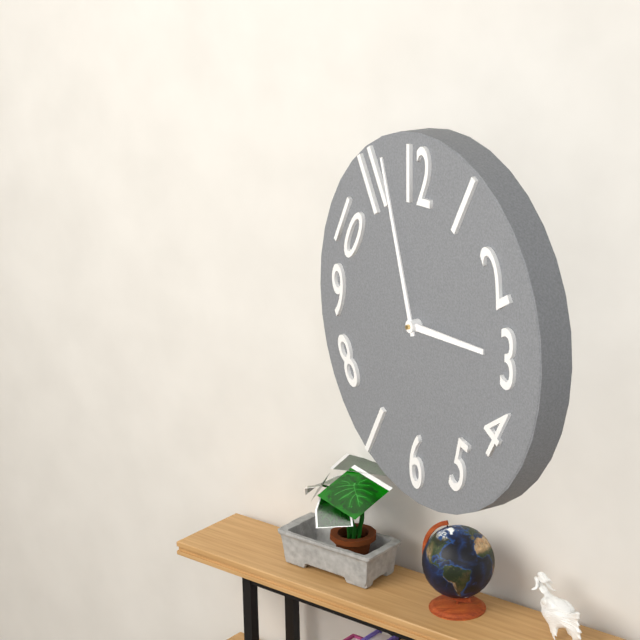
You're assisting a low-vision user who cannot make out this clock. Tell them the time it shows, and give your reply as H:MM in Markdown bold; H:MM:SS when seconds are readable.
**2:57**
